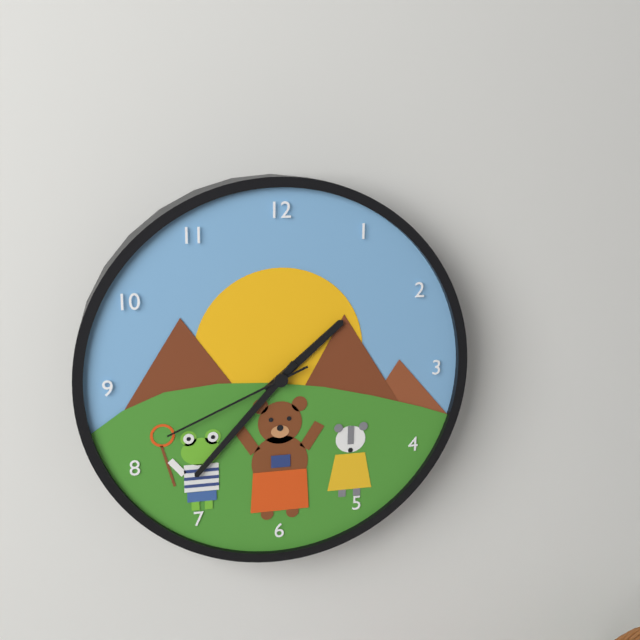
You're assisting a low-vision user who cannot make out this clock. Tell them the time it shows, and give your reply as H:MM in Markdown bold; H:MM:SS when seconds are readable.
**1:37:41**
